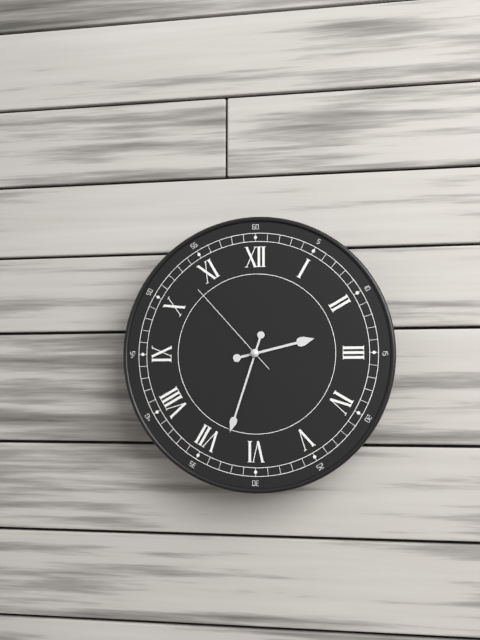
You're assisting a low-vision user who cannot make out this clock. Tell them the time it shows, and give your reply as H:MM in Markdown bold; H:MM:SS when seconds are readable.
**2:33:53**
